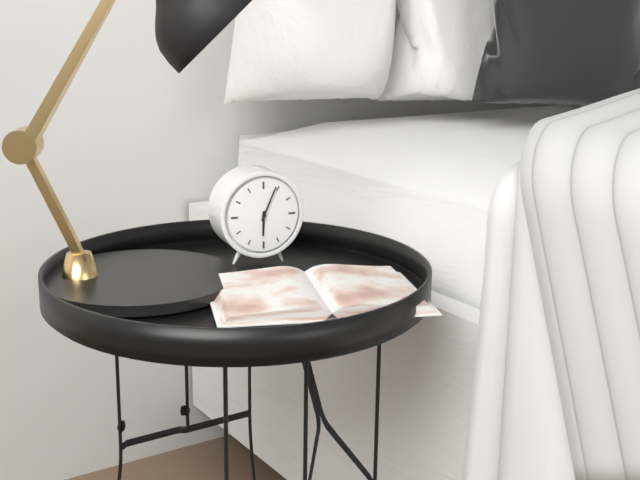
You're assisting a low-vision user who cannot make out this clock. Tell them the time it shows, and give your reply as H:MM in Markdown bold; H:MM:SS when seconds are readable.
**6:04**
